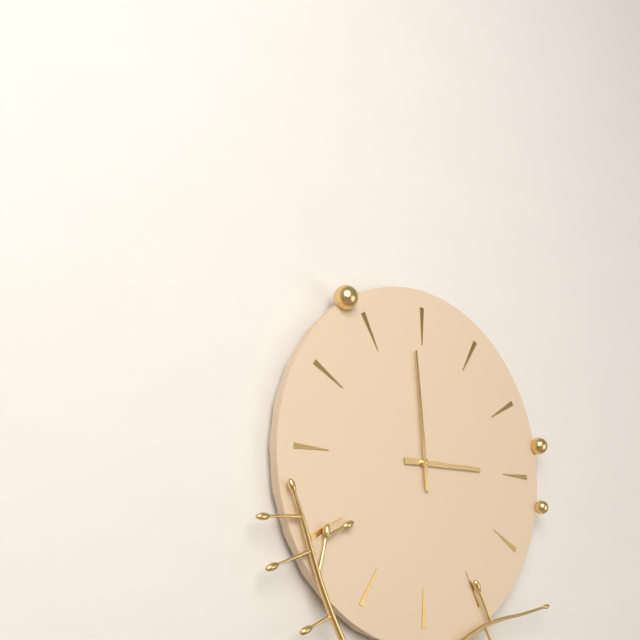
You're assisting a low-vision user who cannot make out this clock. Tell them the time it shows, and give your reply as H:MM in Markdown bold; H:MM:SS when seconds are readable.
**2:59**
